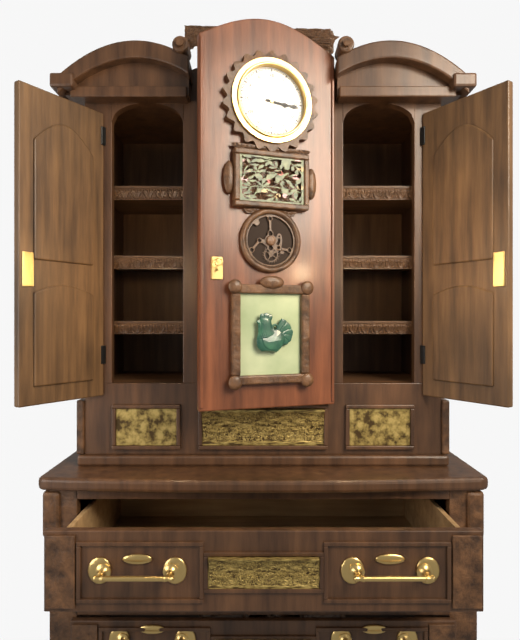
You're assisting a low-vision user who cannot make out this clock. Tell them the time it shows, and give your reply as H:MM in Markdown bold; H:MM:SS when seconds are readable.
**3:16**
